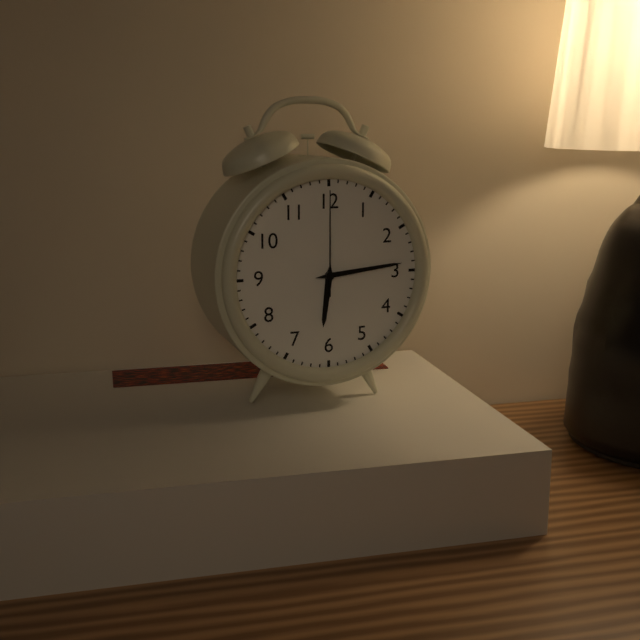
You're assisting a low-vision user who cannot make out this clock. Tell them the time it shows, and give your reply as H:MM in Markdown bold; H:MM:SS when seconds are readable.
**6:14:00**
